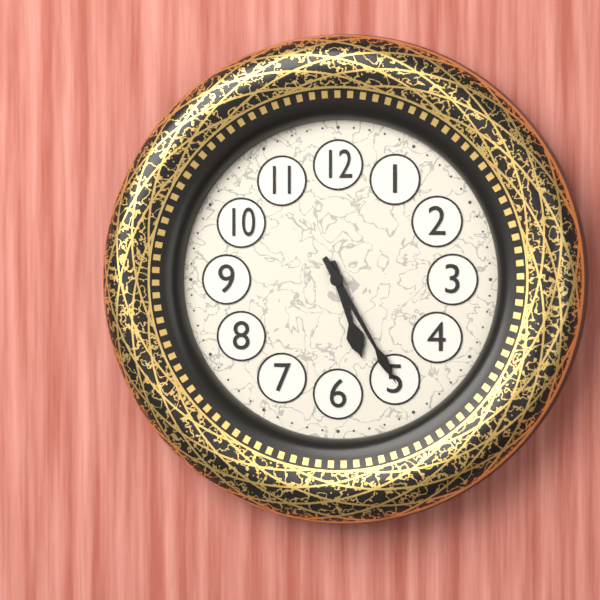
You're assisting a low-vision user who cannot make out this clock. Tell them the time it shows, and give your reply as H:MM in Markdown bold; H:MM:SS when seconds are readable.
**5:25**
